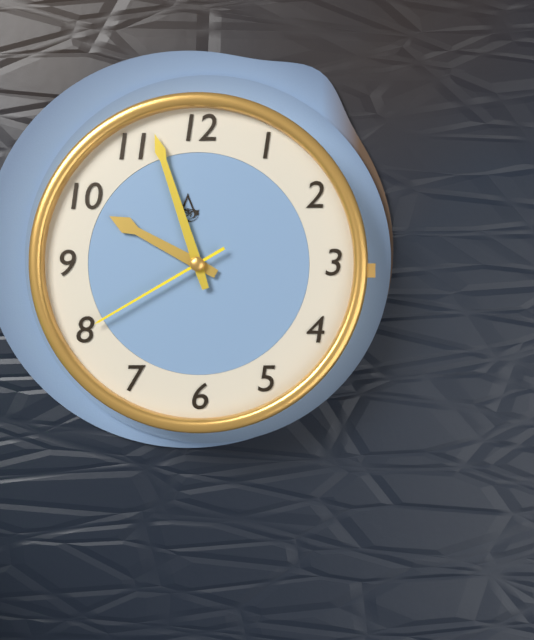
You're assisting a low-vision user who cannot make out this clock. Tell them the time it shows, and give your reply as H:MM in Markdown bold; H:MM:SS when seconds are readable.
**9:57:40**
